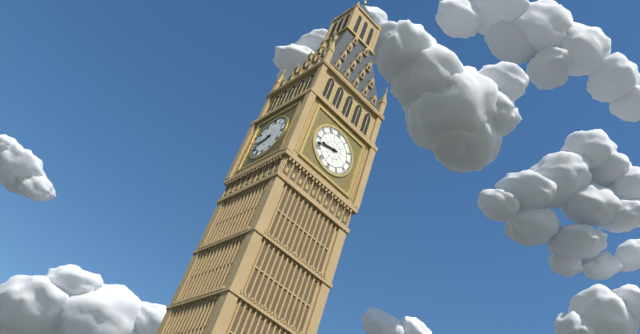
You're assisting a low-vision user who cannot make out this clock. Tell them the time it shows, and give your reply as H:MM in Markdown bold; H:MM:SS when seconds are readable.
**8:42**
